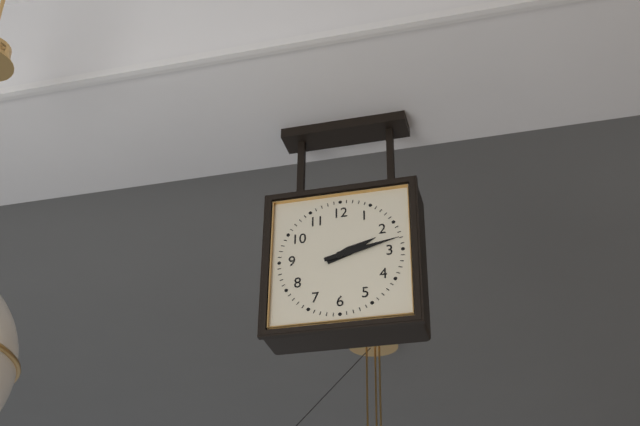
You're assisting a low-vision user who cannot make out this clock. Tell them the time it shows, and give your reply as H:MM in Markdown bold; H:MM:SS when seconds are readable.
**2:13**
